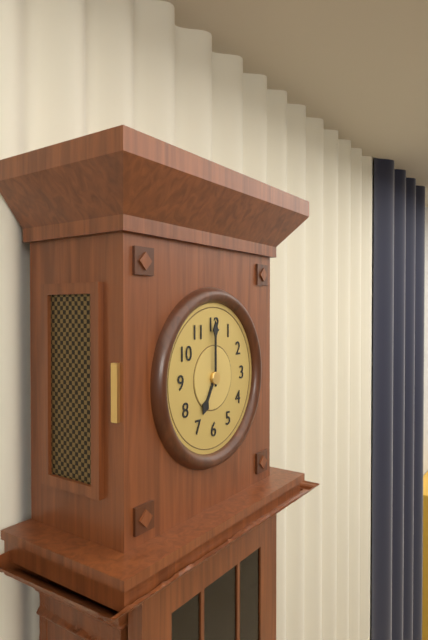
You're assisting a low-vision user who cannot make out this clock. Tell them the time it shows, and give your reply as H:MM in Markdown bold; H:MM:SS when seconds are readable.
**7:00**
